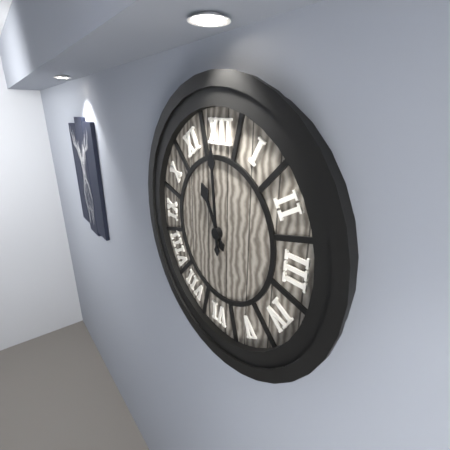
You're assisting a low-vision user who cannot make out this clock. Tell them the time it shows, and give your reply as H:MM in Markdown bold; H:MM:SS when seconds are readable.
**10:59**
